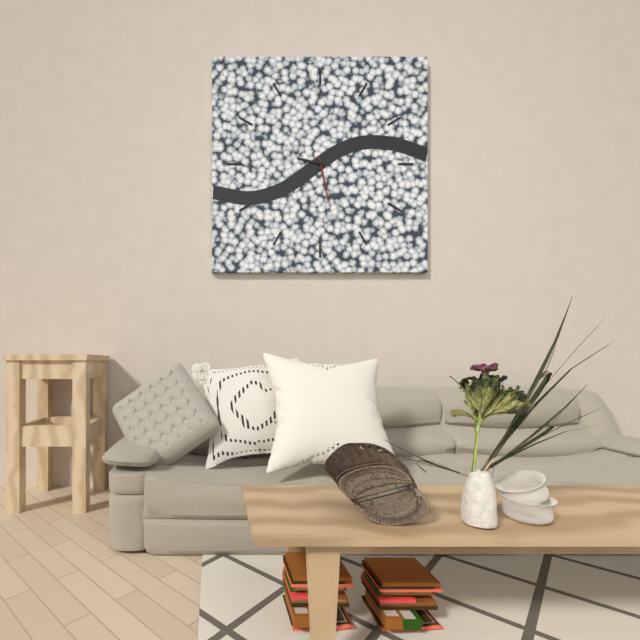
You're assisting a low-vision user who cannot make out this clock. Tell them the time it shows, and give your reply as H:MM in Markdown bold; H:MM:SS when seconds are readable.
**9:28**
